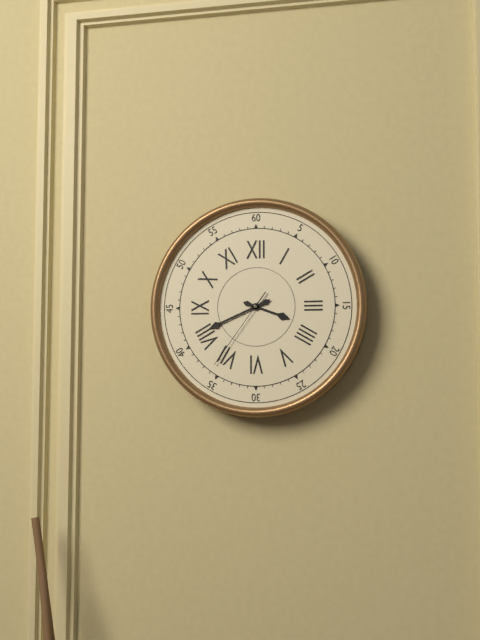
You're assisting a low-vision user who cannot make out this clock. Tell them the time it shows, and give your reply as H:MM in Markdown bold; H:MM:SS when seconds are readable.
**3:41:36**
